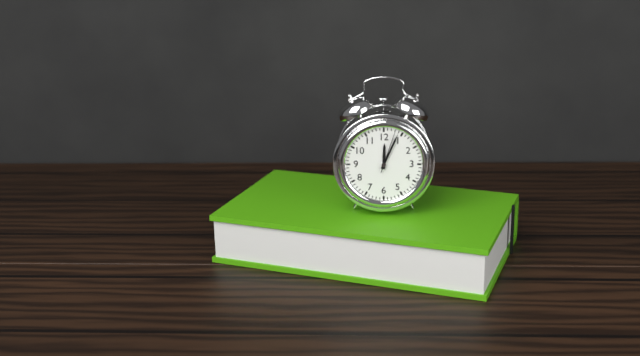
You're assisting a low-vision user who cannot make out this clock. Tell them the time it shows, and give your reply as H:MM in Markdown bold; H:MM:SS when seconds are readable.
**12:04**
